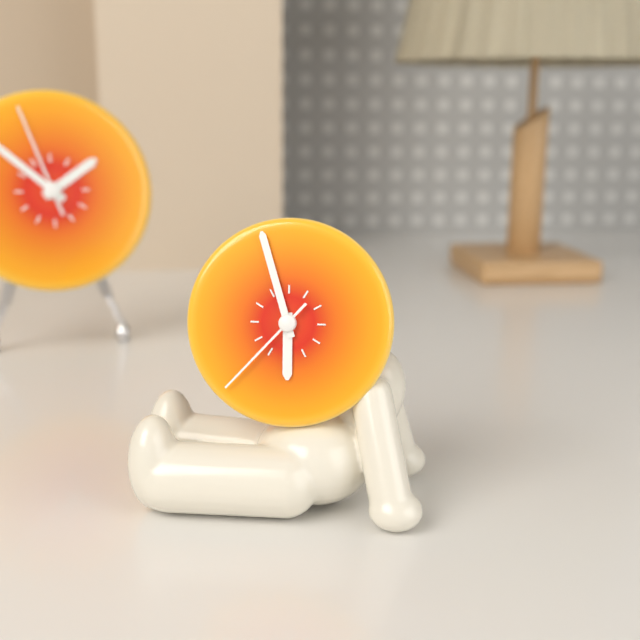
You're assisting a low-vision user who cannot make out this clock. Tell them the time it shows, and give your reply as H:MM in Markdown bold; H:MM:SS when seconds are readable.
**5:57:37**
